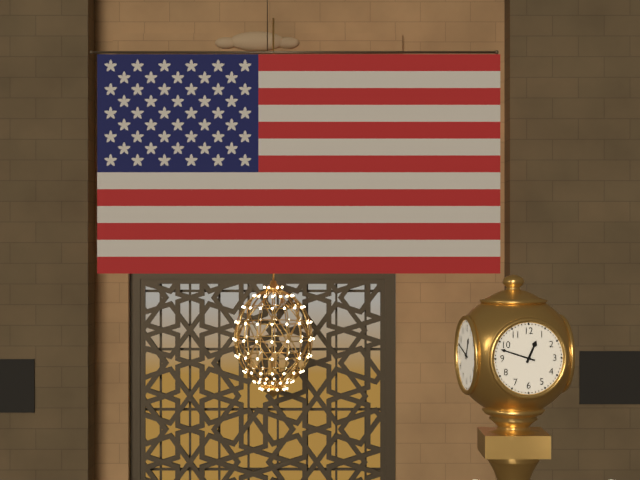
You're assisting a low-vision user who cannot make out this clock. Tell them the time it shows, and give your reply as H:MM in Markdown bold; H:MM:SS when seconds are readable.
**12:48**
